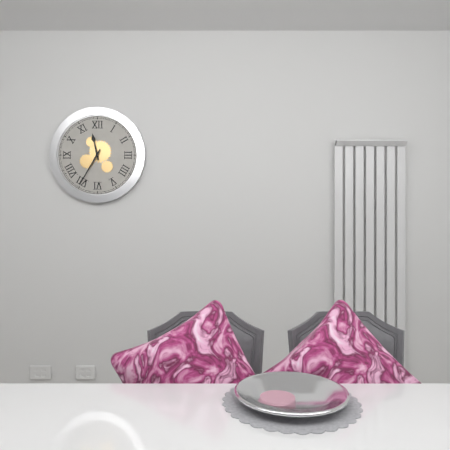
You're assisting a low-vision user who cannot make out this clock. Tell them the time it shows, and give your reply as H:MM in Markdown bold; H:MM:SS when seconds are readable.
**11:35**
